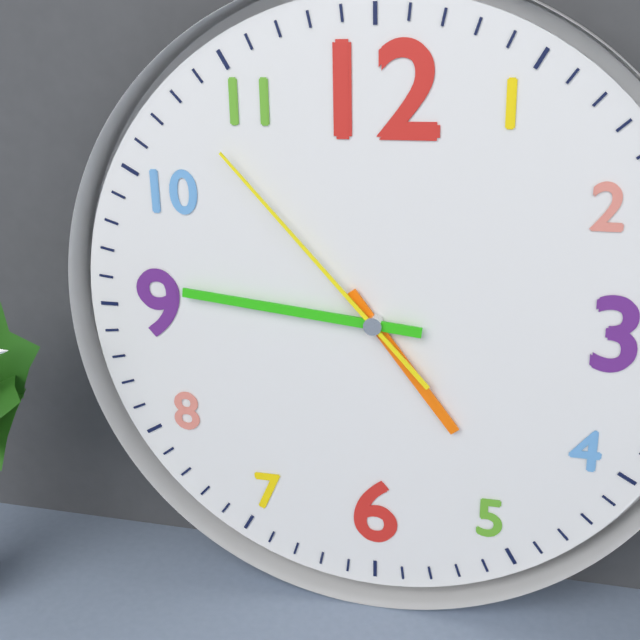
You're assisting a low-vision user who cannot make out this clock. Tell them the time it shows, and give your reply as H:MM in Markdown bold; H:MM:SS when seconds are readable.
**4:46:53**
